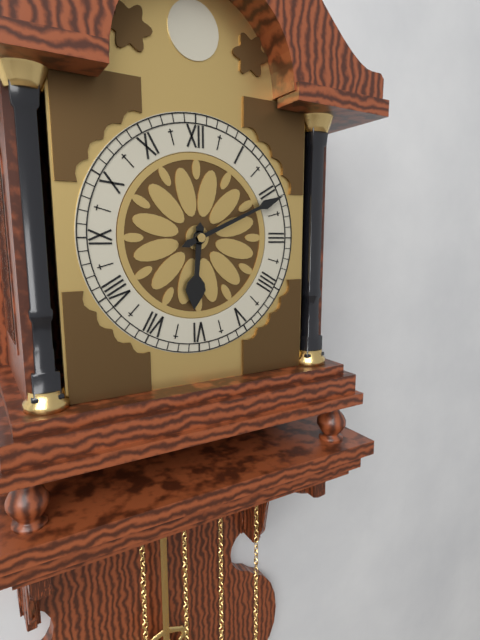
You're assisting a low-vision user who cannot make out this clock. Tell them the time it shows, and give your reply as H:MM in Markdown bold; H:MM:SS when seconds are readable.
**6:11**
